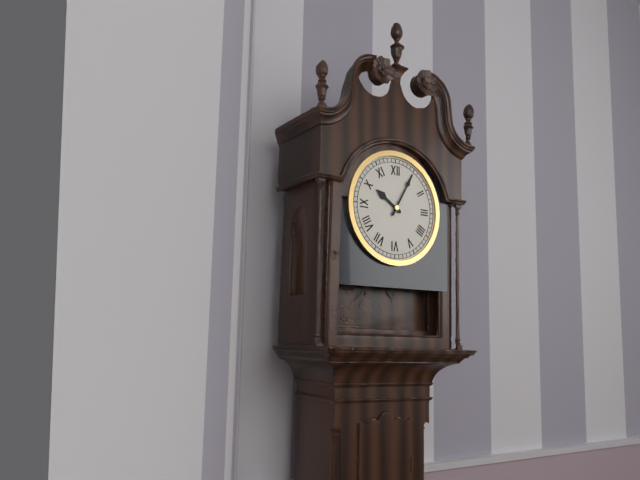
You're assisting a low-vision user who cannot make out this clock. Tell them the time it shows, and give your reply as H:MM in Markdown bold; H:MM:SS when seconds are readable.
**10:05**
